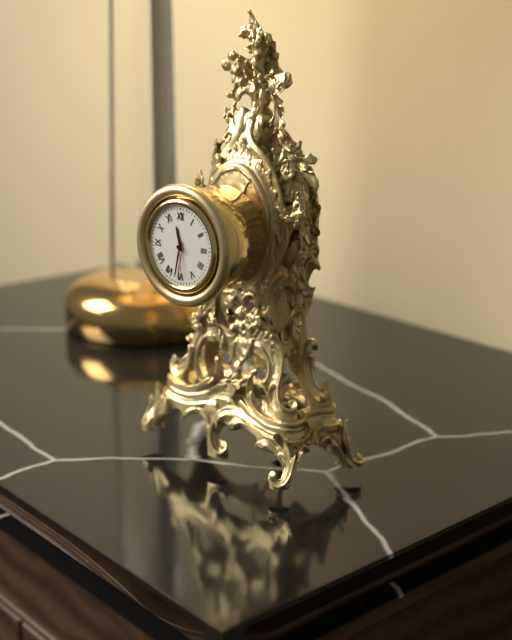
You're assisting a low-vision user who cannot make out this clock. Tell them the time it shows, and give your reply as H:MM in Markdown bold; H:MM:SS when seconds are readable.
**11:32**
